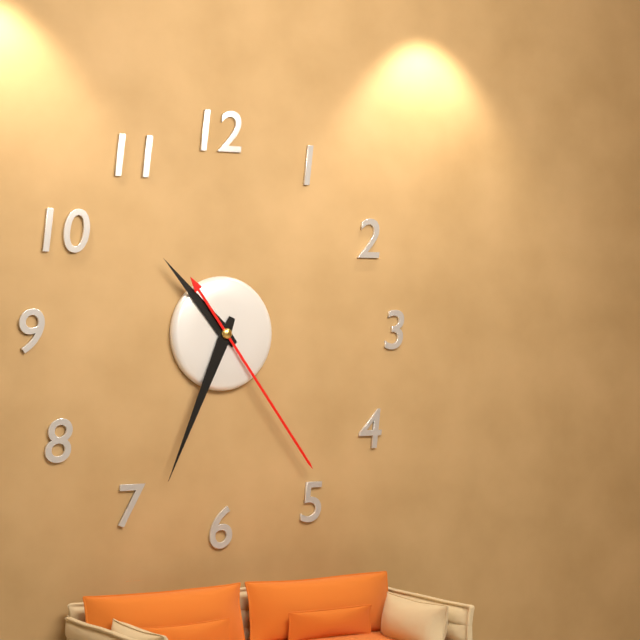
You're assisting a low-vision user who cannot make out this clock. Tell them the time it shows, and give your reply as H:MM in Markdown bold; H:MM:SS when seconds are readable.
**10:34:24**
